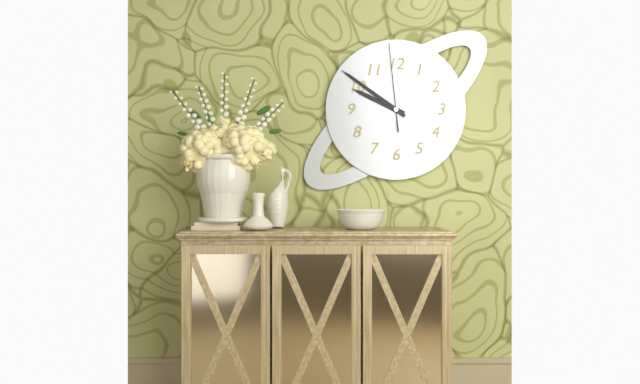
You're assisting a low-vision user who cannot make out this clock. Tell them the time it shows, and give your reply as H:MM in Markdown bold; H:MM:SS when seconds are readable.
**9:51:59**
